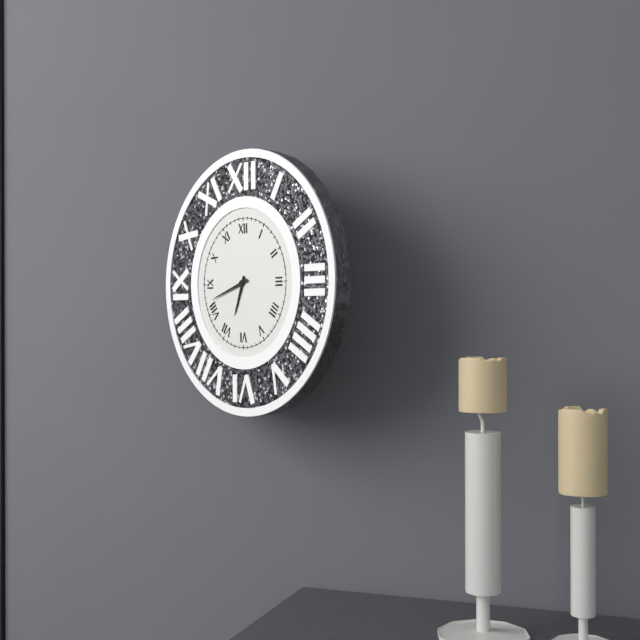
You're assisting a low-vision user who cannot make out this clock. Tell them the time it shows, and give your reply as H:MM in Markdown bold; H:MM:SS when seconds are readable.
**6:42**
